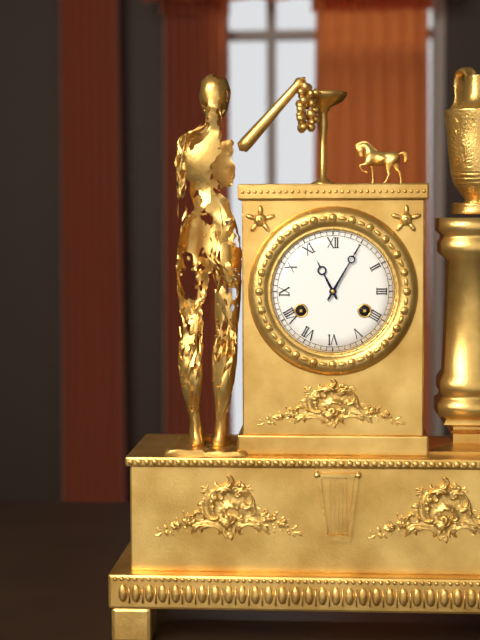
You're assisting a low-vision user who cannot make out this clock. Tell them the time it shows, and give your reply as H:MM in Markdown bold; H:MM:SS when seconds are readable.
**11:05**
